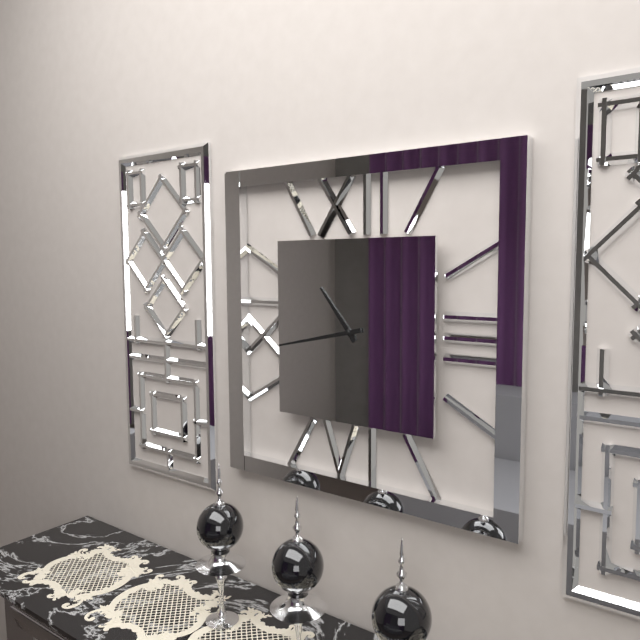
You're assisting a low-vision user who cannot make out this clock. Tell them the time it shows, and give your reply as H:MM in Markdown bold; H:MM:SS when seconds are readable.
**10:43**
